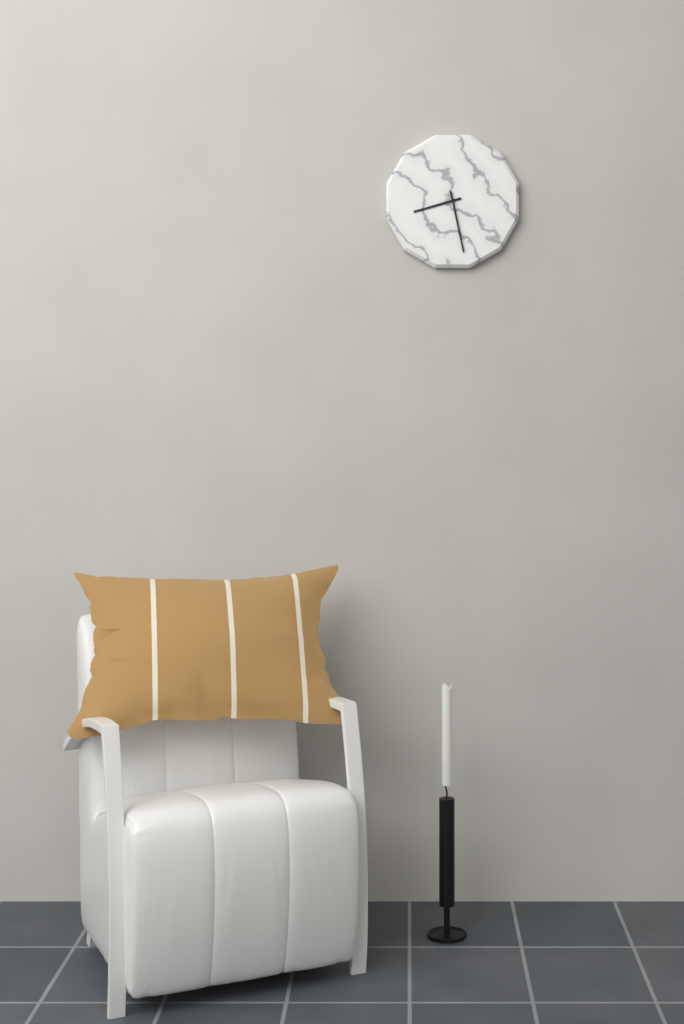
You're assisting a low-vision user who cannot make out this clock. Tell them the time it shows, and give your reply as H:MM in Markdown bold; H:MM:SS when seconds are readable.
**8:28**
